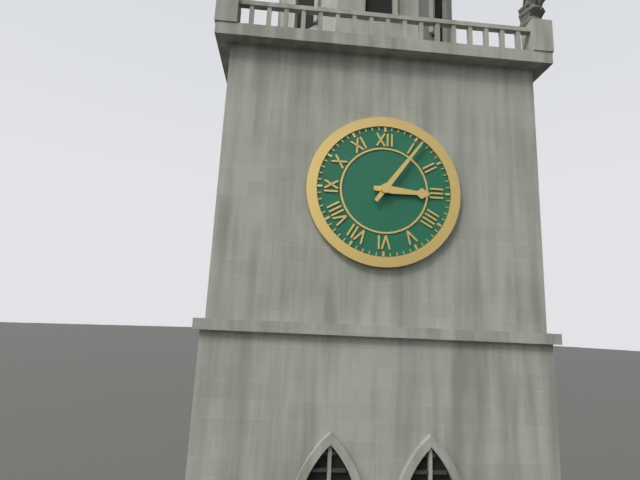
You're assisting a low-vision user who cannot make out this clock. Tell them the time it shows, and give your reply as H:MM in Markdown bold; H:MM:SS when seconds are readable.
**3:06**
